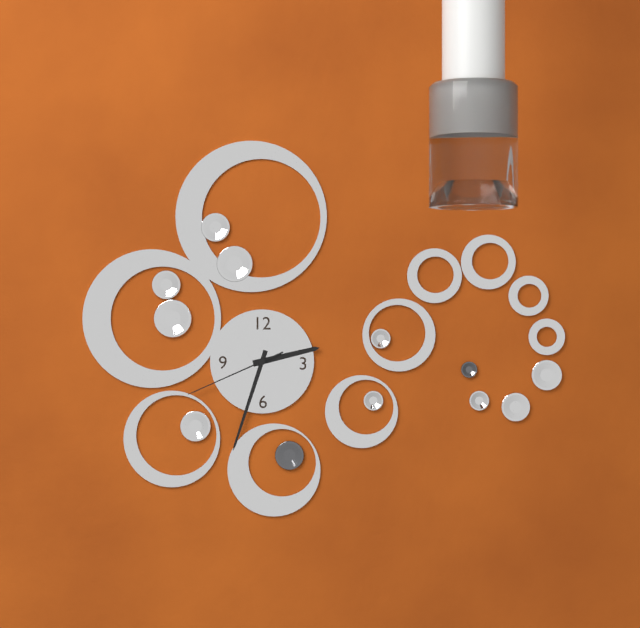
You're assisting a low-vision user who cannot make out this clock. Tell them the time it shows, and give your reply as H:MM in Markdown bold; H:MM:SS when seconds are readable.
**2:33:41**
